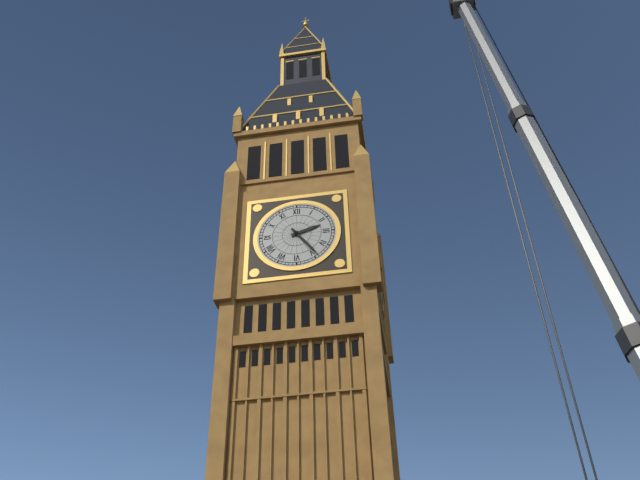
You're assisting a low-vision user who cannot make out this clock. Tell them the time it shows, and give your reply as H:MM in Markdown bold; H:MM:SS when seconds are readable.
**2:24**
